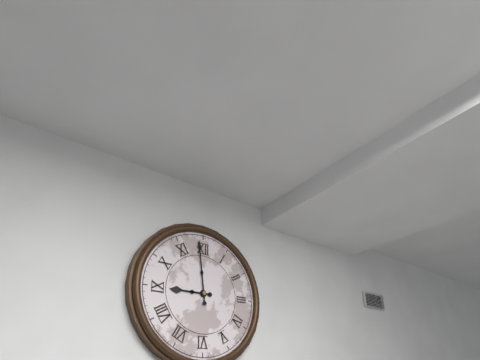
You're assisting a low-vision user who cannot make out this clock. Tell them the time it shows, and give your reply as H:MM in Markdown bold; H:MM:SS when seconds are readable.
**8:59**
